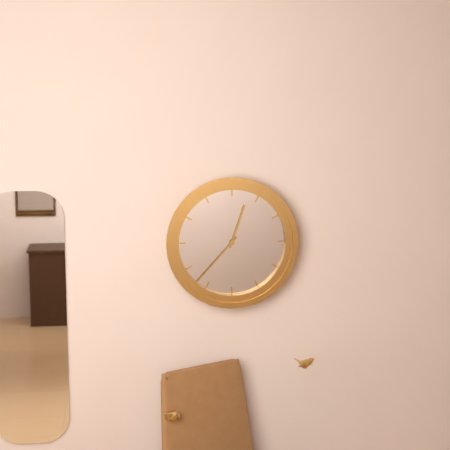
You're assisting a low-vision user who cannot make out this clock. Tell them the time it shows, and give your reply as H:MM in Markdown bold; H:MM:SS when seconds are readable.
**12:37**
